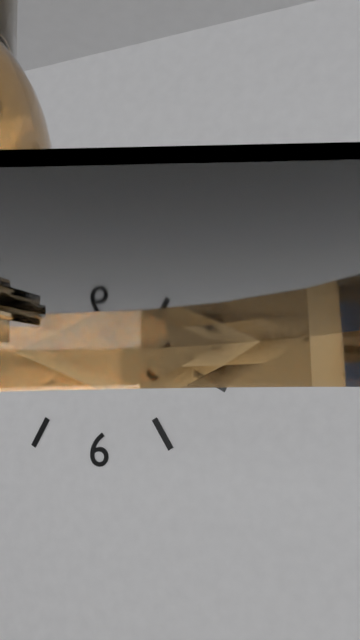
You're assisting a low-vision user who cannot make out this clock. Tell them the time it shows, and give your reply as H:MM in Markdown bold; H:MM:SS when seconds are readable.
**1:06**
